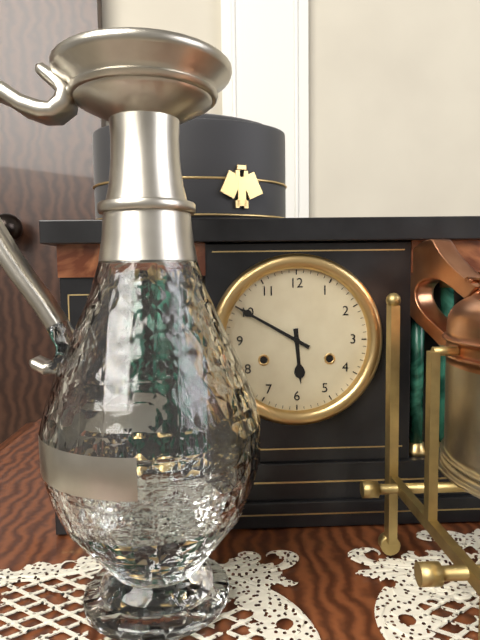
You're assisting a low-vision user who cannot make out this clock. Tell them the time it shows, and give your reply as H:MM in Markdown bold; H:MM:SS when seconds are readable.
**5:50**
